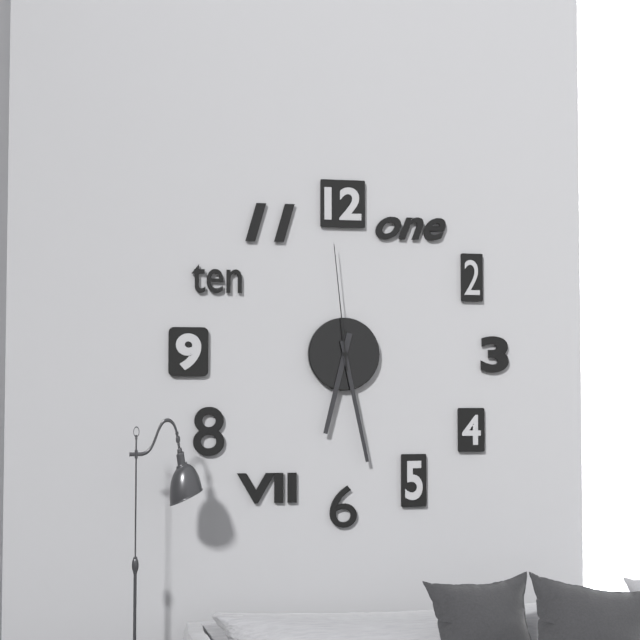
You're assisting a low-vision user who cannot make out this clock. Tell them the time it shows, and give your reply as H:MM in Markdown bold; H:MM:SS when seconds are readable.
**6:28:59**
